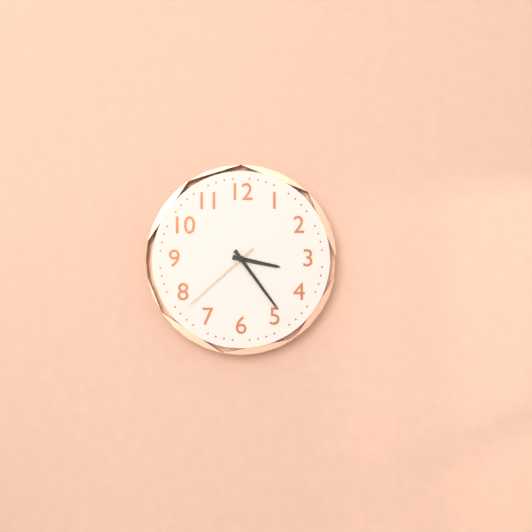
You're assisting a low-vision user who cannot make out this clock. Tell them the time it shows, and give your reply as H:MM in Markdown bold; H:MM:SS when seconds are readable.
**3:24:38**
